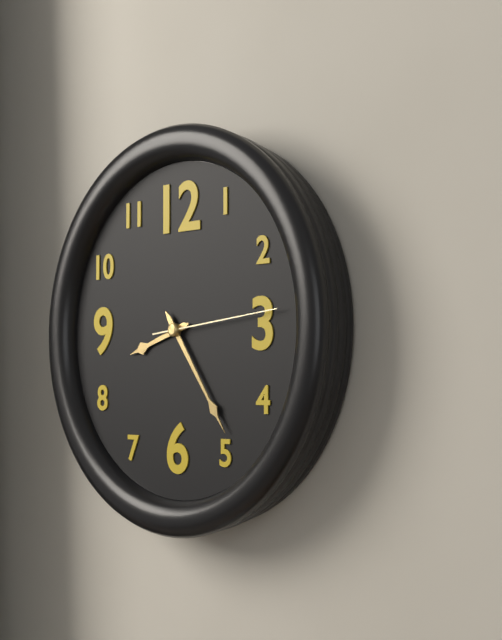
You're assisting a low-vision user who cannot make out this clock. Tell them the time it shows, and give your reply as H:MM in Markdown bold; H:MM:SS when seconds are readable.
**8:24:14**
